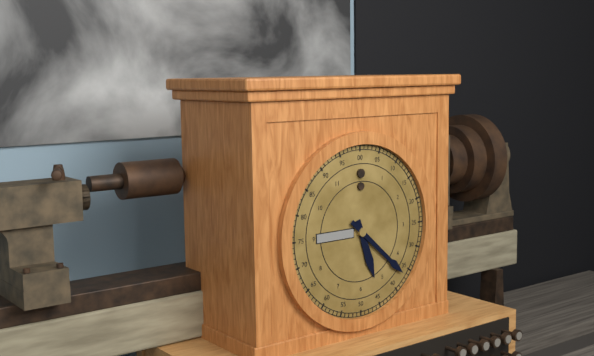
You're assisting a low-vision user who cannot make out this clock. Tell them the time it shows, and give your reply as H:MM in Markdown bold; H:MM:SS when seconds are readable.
**5:22**
